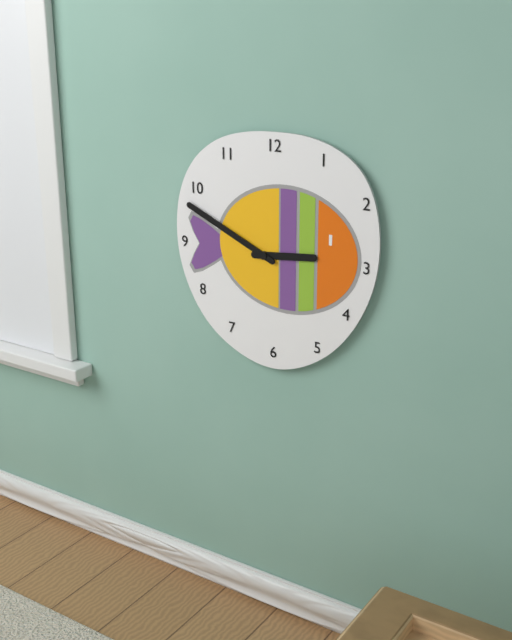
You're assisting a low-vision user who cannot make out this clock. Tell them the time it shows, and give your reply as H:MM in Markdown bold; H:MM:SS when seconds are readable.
**2:49**
